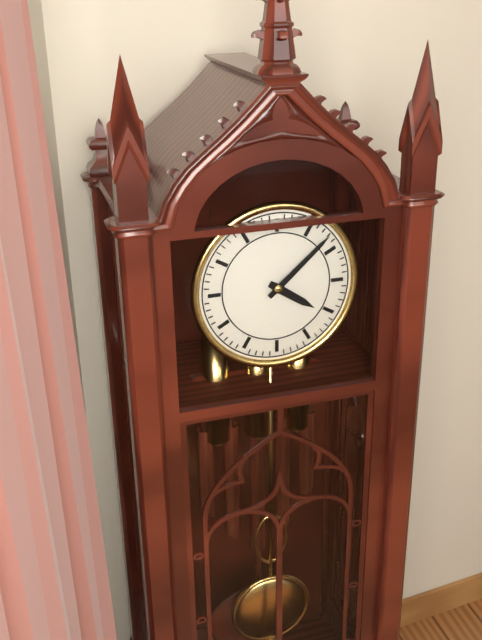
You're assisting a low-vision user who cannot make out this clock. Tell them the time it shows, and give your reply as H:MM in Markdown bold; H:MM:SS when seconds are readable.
**4:08**
